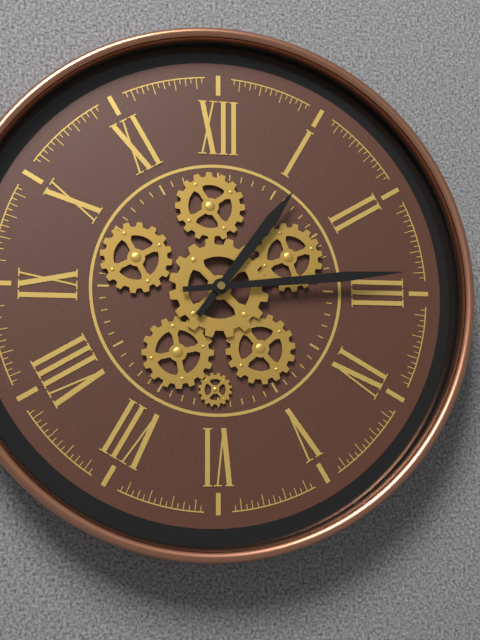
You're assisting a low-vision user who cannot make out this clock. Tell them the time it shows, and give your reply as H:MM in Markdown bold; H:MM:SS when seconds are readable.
**1:14**
